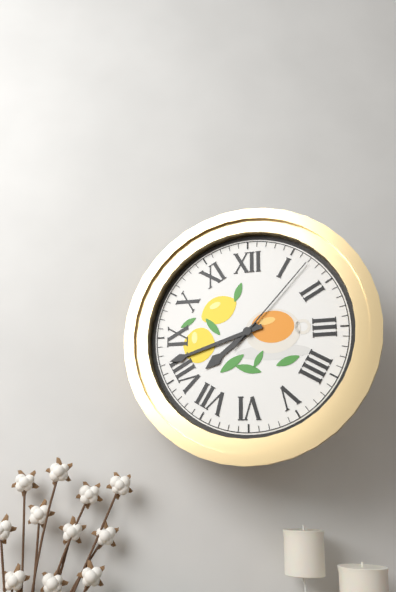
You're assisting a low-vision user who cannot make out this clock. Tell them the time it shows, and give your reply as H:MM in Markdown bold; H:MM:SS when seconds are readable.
**7:42:07**
